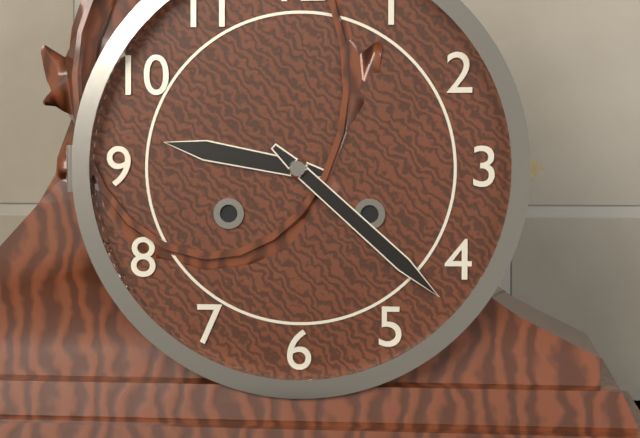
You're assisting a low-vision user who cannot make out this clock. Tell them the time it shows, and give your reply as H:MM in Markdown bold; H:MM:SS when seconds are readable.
**9:22**
